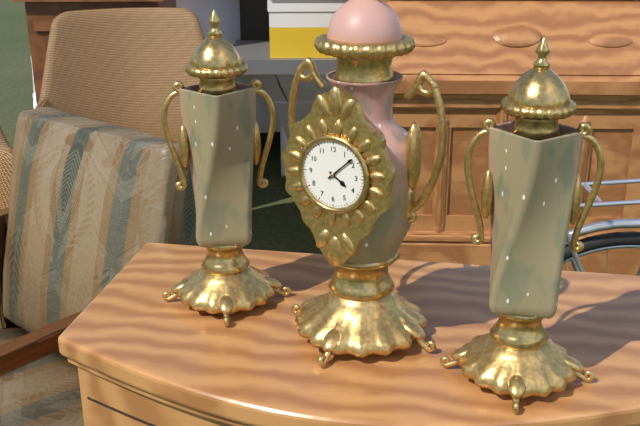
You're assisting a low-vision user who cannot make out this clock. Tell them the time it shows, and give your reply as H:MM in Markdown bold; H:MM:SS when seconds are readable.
**4:08**
